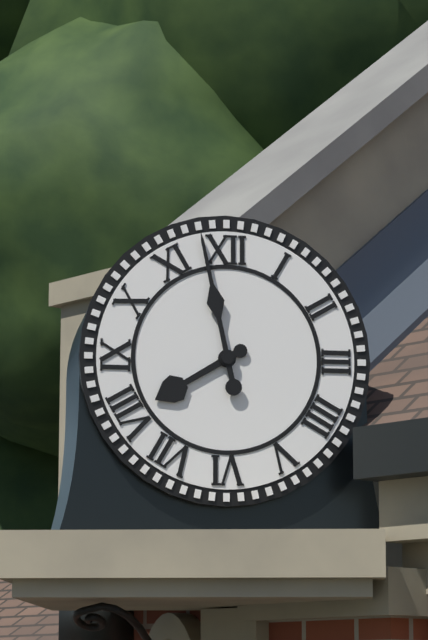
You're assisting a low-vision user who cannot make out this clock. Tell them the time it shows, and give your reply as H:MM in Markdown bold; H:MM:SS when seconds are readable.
**7:58**
